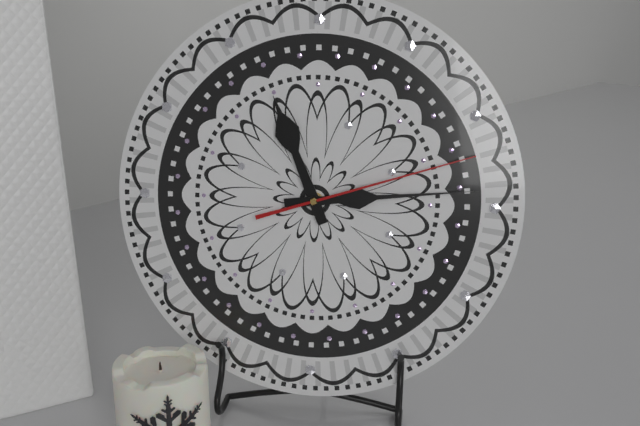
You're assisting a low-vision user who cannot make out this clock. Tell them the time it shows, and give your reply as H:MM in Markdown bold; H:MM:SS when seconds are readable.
**11:14:12**
